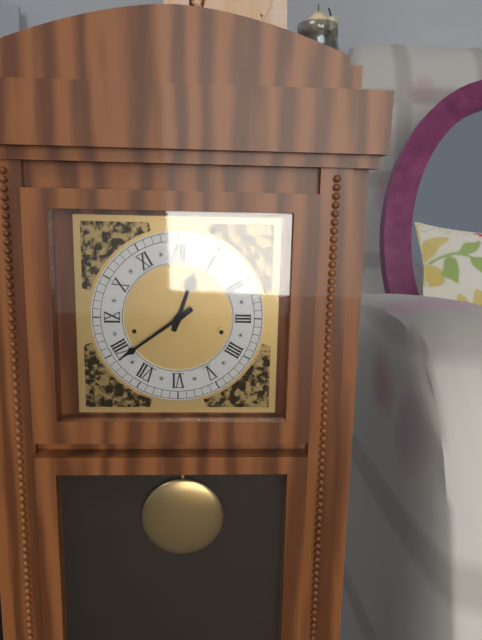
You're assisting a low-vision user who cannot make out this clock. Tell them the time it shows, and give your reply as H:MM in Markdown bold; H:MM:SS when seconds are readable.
**12:39**
